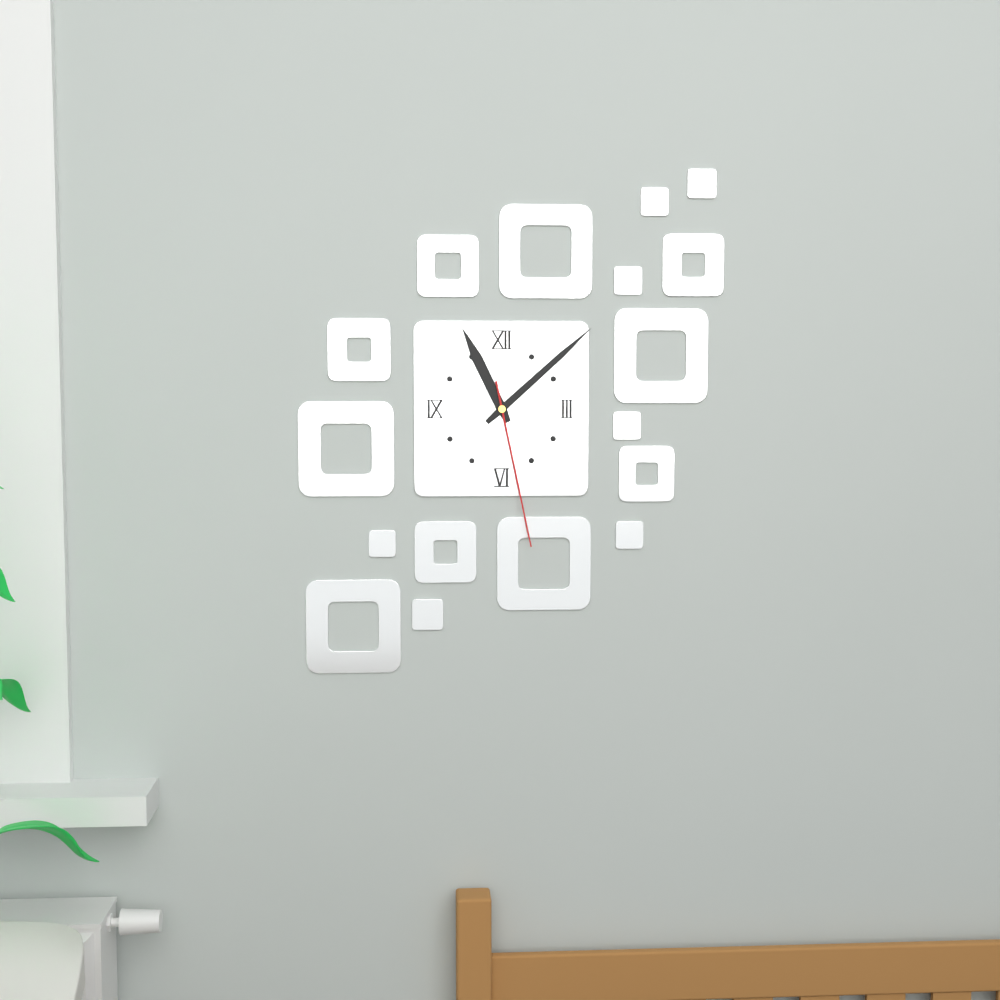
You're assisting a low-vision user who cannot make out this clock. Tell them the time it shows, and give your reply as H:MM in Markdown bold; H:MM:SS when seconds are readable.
**11:08:28**
